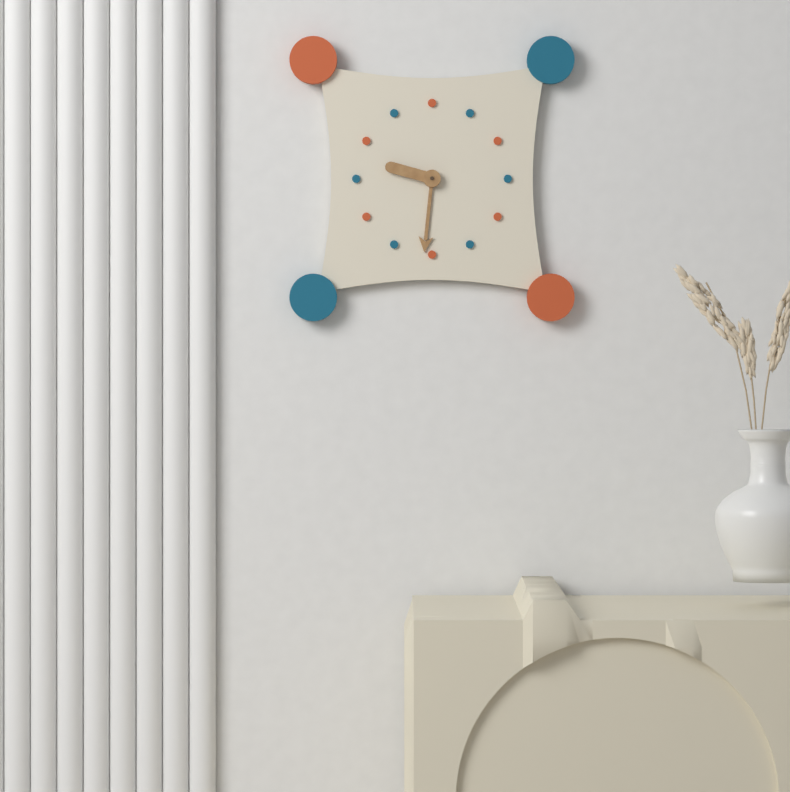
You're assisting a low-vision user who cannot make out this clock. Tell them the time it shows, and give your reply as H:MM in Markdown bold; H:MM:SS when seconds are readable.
**9:31**
